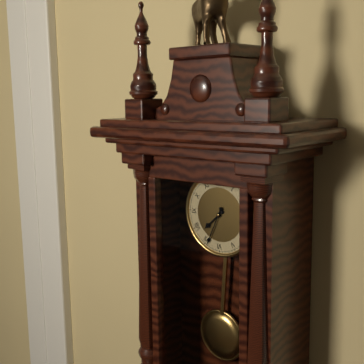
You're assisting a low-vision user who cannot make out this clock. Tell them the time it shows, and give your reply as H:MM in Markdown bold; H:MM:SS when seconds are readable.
**7:34**
